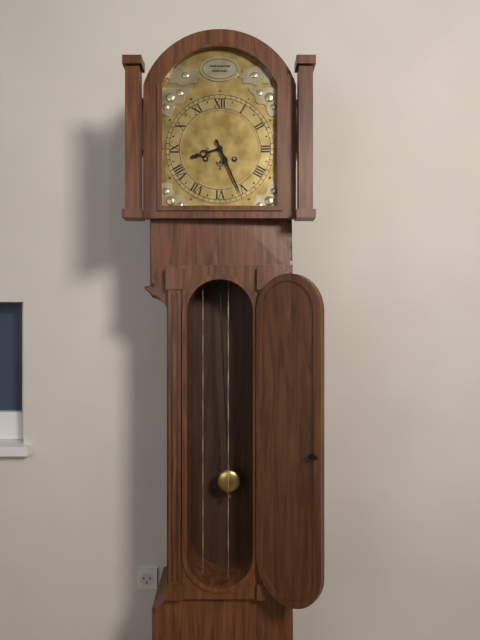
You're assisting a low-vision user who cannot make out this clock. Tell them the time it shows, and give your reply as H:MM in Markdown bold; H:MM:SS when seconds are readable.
**8:26**
